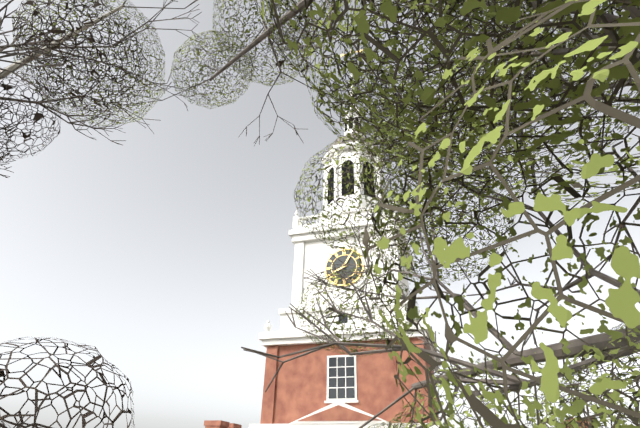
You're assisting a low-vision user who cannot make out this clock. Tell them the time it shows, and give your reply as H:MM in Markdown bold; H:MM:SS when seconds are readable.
**8:05**
